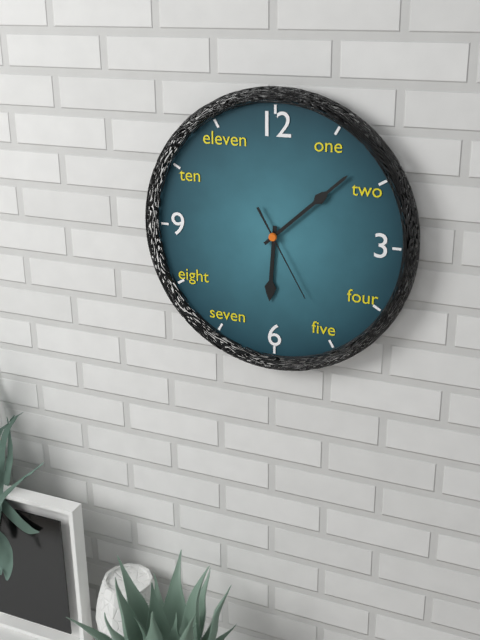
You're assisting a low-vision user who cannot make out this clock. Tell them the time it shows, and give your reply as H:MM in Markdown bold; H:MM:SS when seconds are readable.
**6:08:25**
